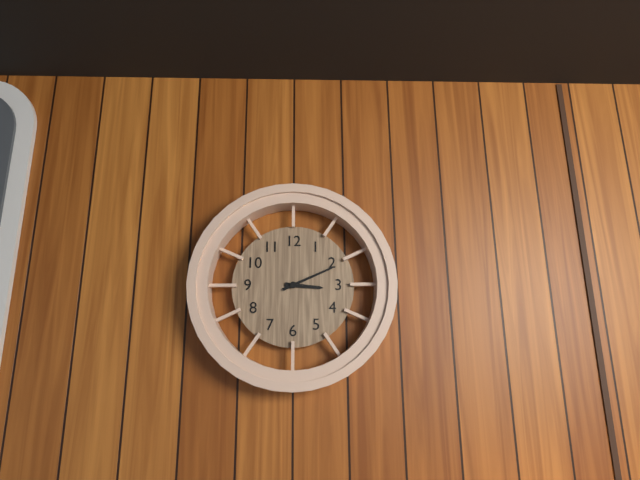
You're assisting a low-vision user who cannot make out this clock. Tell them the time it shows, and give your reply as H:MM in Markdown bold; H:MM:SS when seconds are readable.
**3:11**
